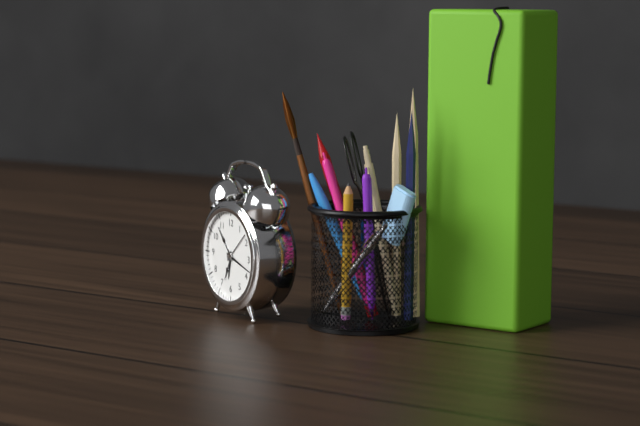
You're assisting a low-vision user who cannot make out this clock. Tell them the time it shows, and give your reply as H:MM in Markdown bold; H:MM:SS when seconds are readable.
**6:18**
